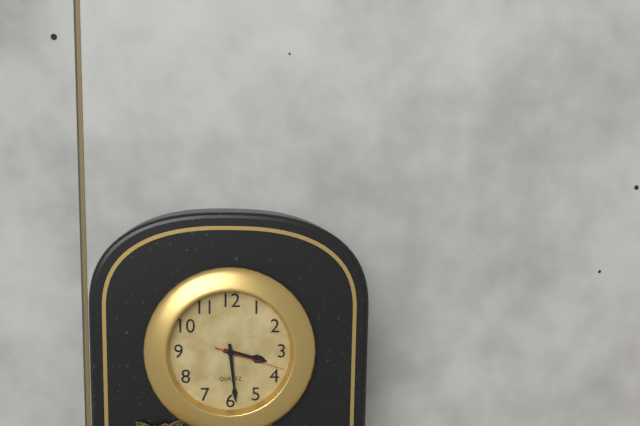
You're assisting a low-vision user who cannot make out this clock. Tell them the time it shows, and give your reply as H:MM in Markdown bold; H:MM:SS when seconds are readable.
**3:29:18**
